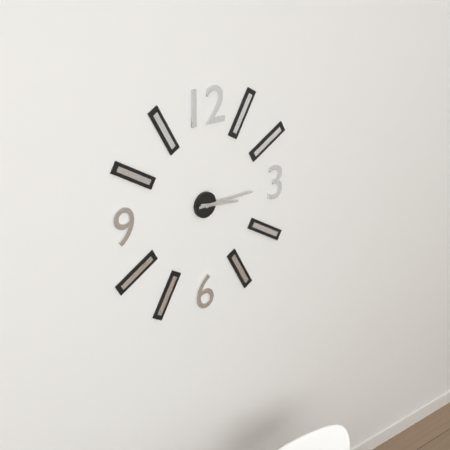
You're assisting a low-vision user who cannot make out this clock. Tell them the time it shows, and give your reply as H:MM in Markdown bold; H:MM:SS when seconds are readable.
**3:15**
